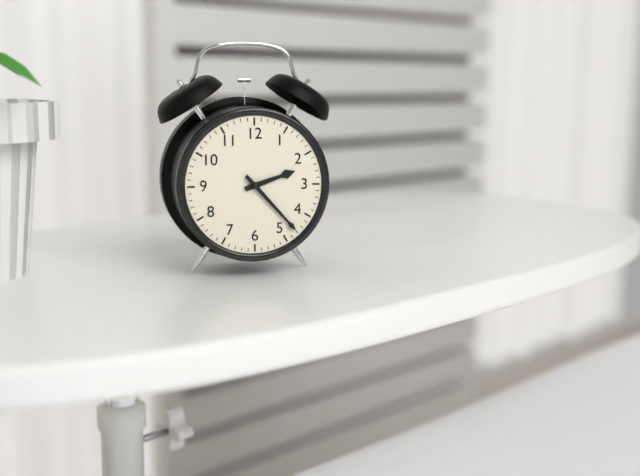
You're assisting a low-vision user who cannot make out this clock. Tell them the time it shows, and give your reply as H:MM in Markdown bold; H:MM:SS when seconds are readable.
**2:23**
